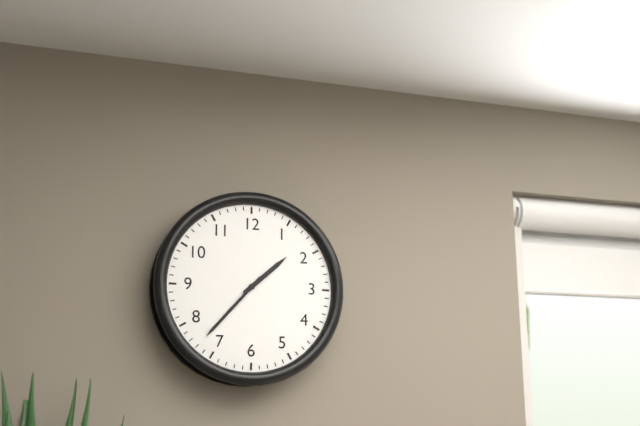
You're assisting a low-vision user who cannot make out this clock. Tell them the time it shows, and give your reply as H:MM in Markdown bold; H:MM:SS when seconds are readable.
**1:37**
